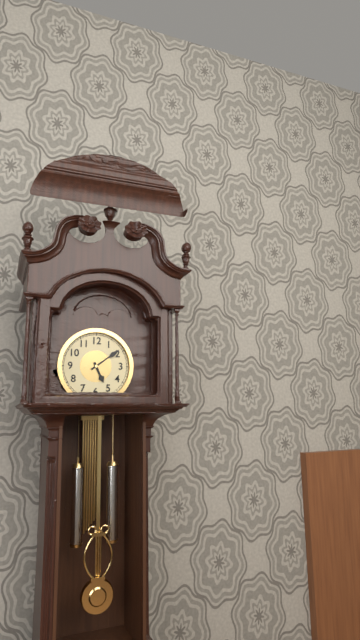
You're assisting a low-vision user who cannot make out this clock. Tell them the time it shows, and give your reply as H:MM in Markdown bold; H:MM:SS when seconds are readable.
**5:09**
